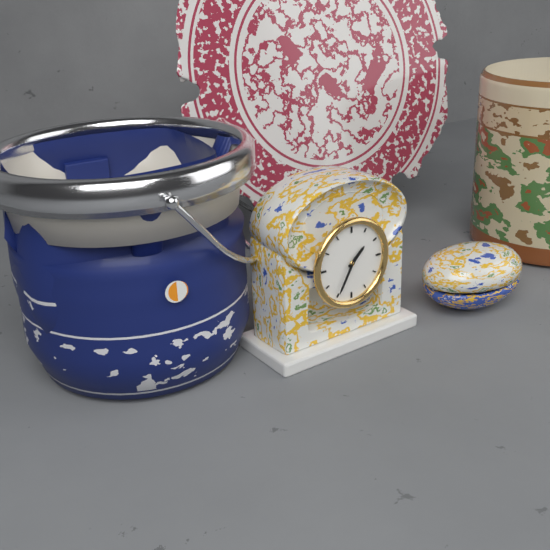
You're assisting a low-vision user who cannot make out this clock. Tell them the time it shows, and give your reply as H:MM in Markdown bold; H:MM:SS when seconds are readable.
**1:35**
